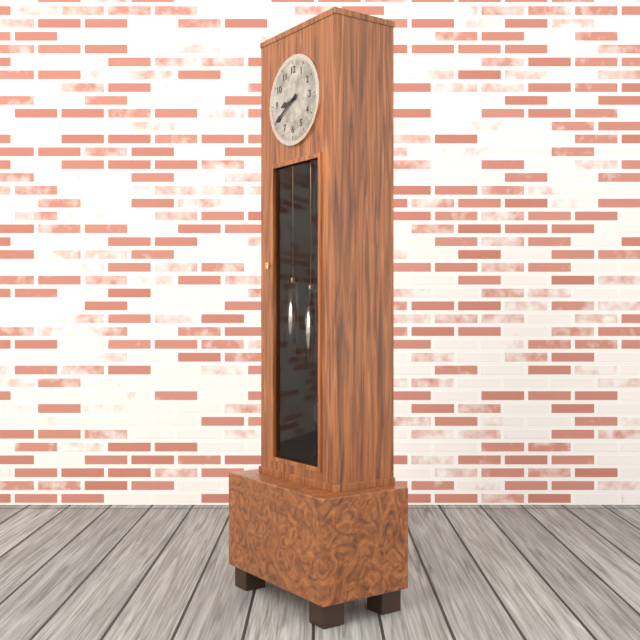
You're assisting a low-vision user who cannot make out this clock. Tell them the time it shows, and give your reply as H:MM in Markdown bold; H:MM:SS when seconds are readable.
**8:40**
